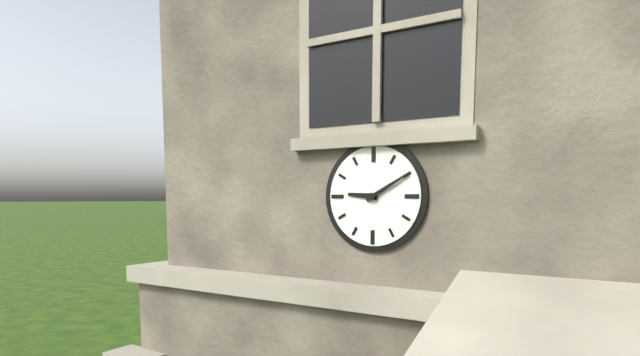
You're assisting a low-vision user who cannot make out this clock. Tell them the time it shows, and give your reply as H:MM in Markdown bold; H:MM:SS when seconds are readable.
**9:10**
